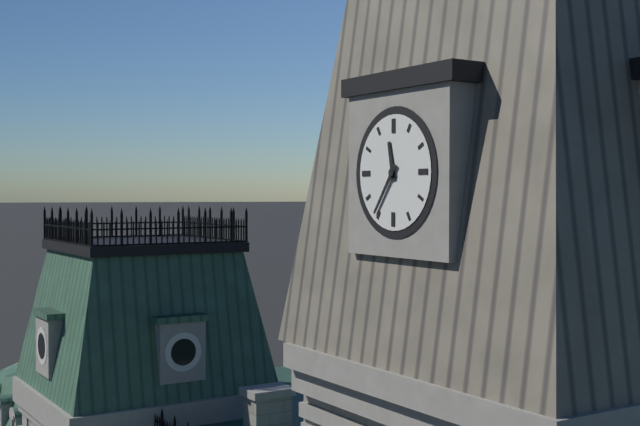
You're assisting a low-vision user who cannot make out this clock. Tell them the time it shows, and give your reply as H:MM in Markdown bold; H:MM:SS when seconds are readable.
**11:36**
